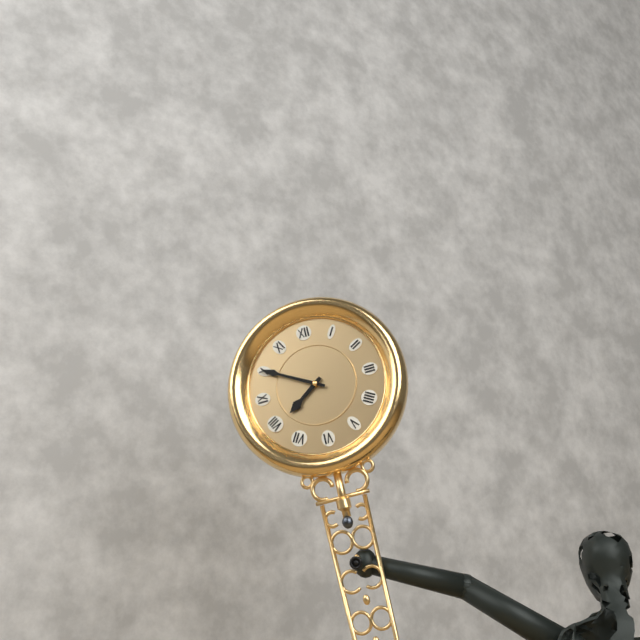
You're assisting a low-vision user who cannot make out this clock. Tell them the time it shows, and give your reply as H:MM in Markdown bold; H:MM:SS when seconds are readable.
**7:50**
